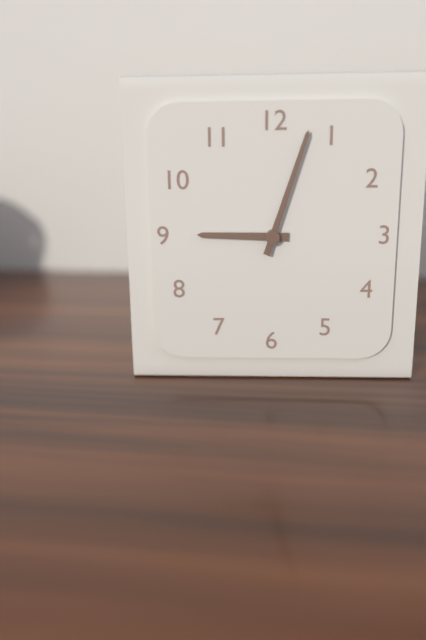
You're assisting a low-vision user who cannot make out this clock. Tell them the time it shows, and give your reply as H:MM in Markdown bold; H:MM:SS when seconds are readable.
**9:03**
